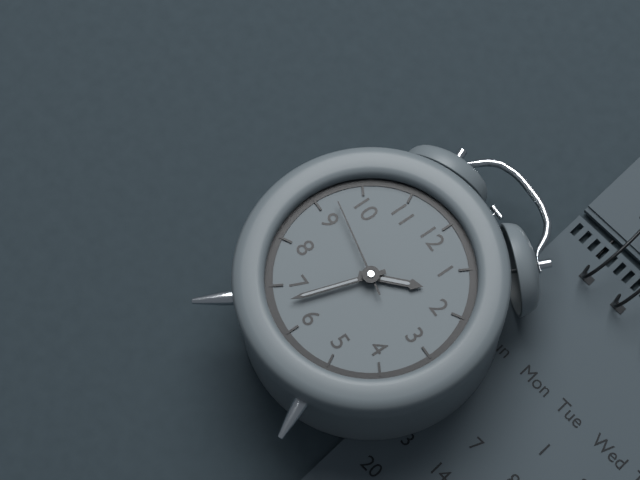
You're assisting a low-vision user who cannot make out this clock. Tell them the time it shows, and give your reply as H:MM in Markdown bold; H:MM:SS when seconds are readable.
**1:33:47**
